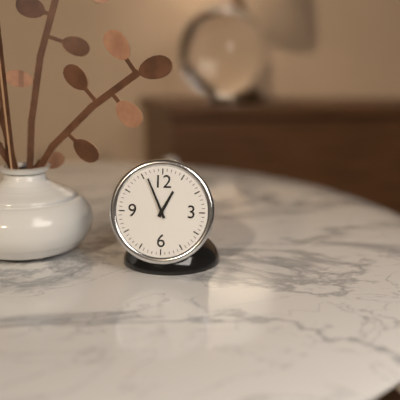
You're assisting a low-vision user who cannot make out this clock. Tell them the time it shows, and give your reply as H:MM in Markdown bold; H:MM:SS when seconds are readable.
**12:56**
